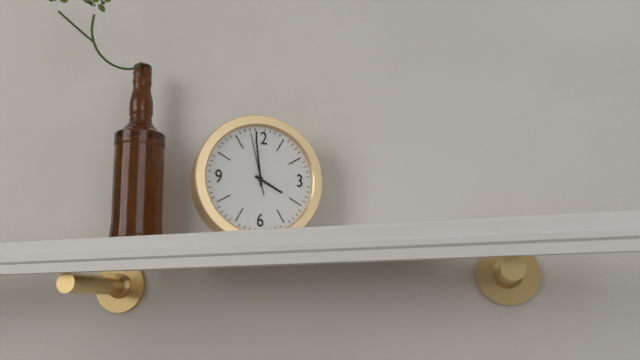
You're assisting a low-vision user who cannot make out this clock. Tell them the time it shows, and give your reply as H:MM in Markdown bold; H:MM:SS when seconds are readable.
**3:59:58**
